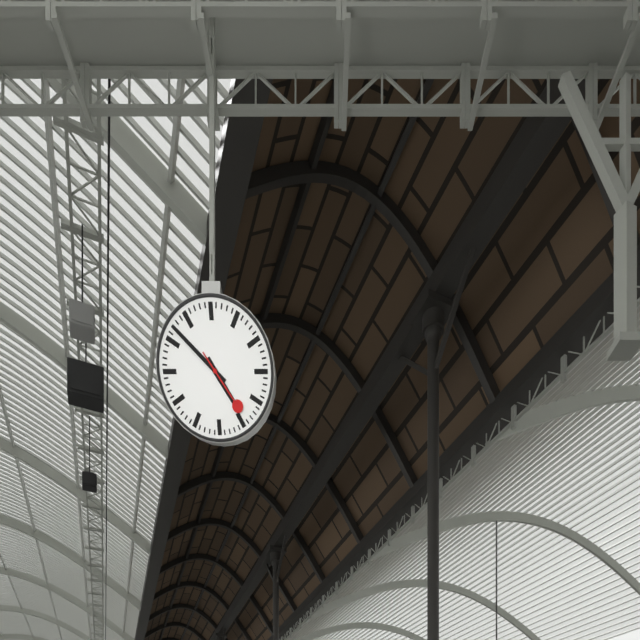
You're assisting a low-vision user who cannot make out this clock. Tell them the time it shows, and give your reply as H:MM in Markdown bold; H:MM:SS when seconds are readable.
**4:52:24**
